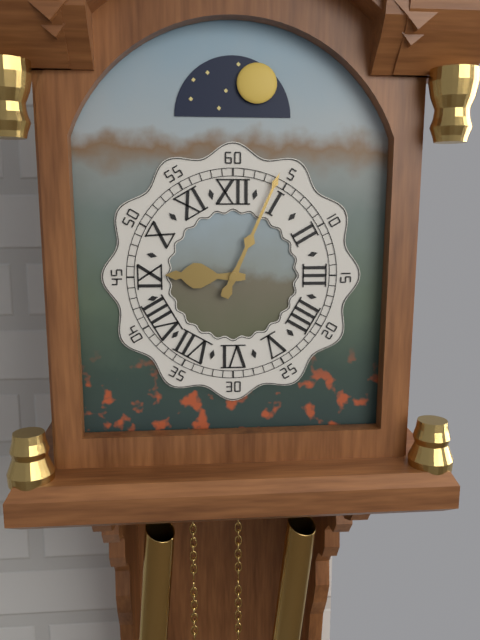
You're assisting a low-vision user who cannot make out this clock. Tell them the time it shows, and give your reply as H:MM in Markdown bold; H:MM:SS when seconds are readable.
**9:04**
